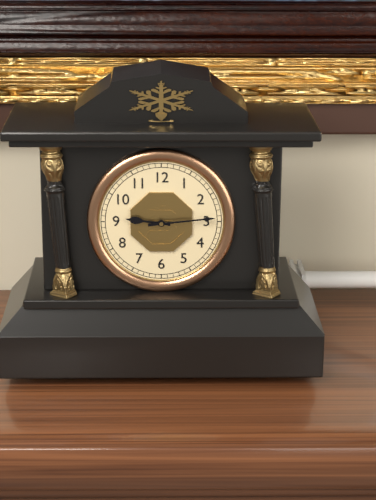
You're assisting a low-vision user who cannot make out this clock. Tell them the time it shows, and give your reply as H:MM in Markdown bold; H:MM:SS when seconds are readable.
**9:14**
